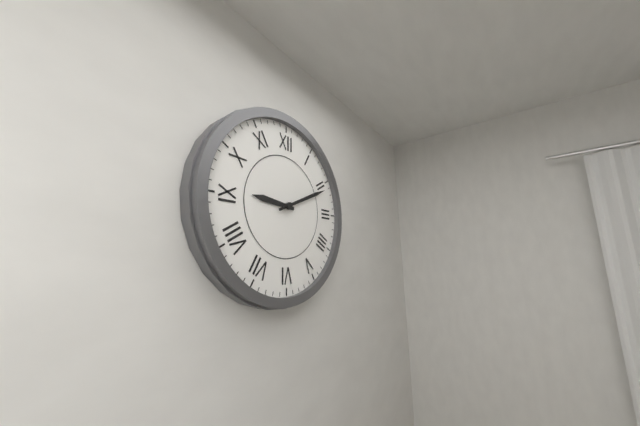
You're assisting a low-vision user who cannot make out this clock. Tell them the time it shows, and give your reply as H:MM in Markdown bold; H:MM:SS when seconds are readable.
**9:11**
